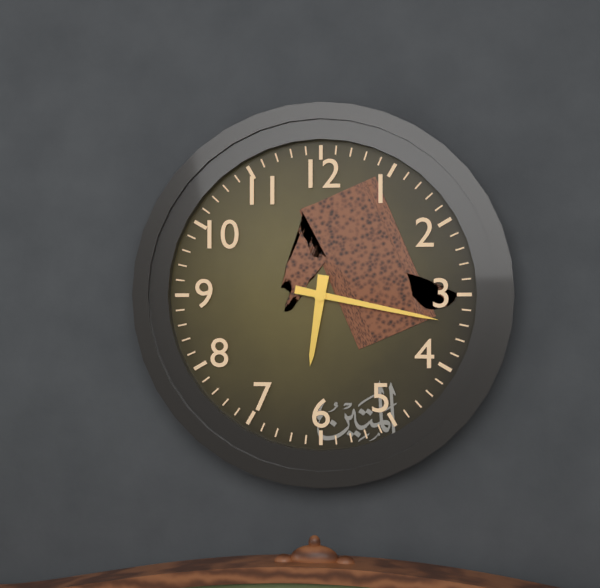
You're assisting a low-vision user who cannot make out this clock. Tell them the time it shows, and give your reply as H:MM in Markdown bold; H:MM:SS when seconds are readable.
**6:17**
